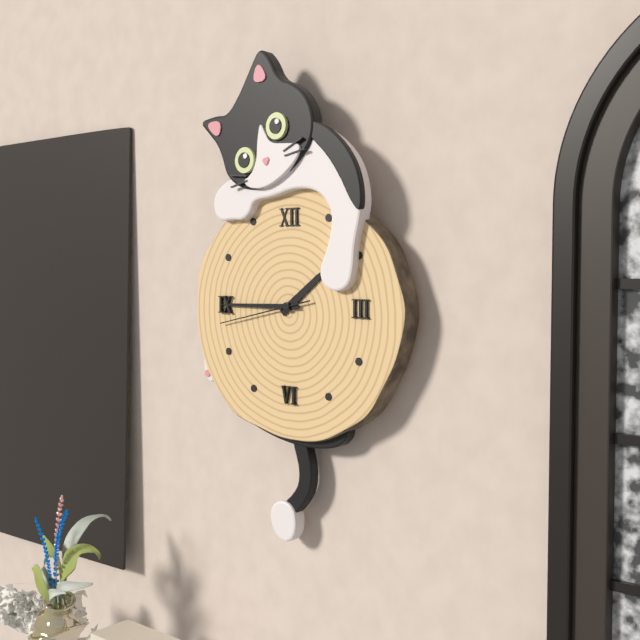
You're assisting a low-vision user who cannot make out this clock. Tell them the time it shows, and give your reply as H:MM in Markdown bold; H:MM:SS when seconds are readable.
**1:45:43**
